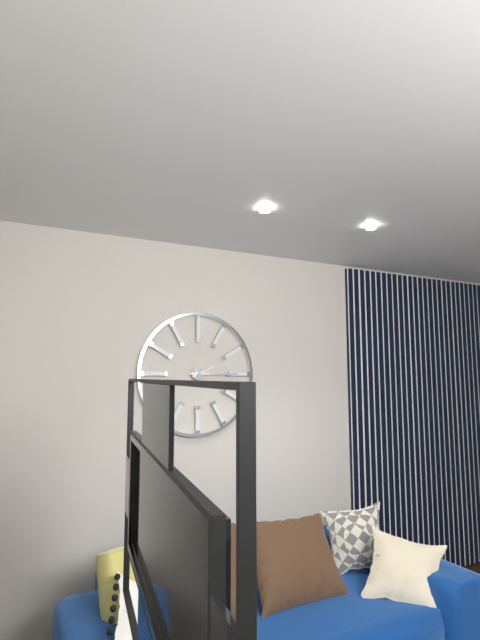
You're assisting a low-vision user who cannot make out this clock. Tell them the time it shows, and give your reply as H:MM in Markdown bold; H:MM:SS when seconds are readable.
**2:15**
